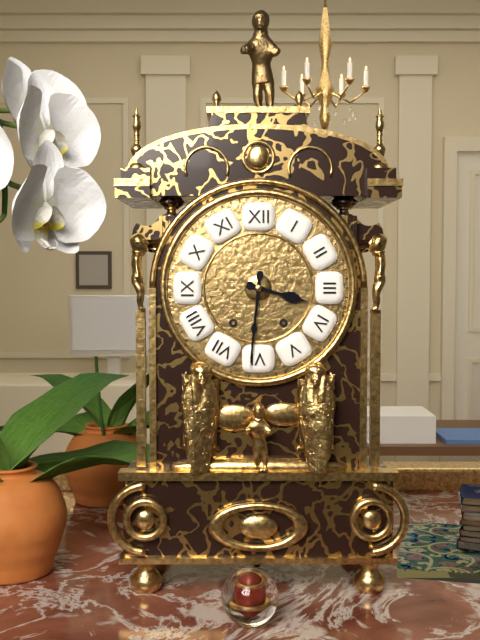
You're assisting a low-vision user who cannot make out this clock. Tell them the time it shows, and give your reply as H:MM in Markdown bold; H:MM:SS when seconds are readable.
**3:31**
